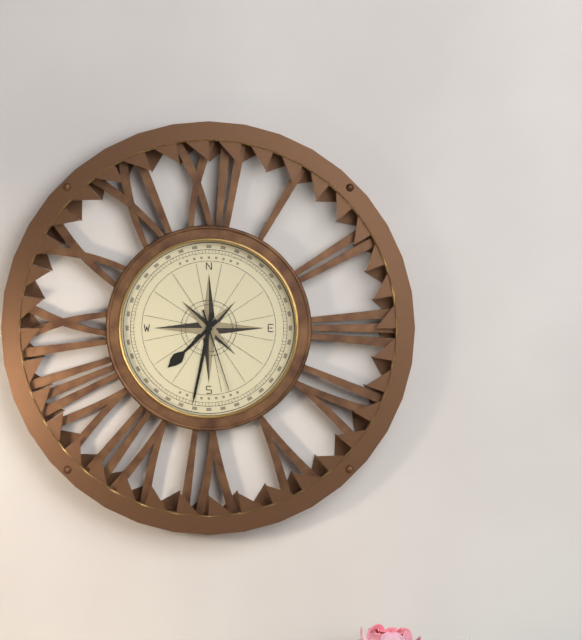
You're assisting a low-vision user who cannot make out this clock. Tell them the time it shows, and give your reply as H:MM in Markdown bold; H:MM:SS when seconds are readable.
**7:32:27**
